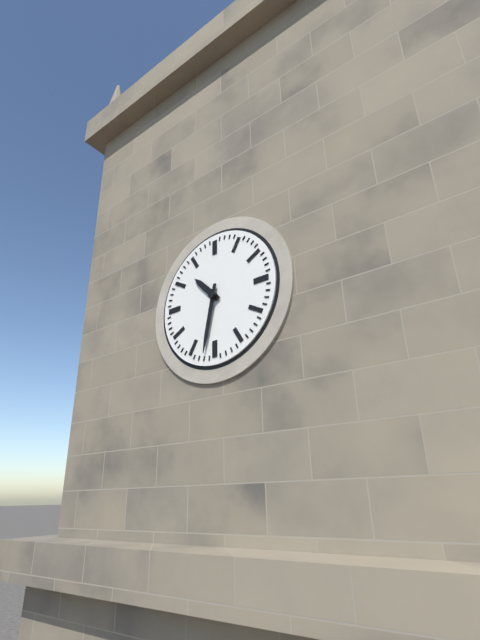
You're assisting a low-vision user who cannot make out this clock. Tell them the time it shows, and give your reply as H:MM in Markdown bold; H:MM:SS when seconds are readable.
**10:32**
